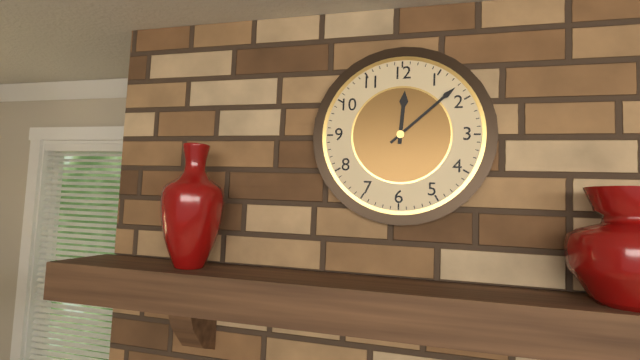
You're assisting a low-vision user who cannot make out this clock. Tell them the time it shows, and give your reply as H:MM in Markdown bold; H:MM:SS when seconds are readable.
**12:08**
